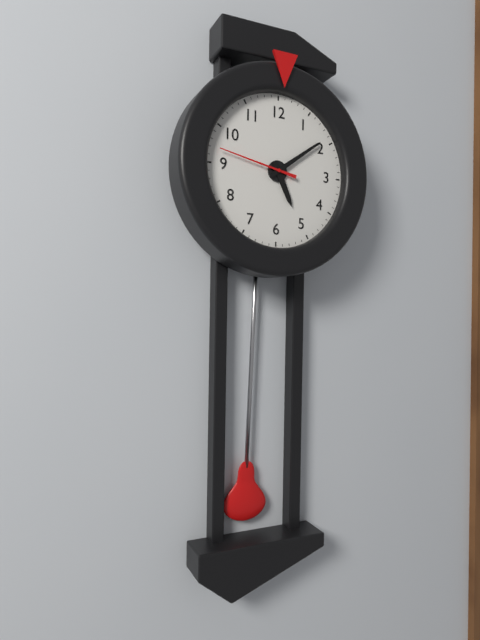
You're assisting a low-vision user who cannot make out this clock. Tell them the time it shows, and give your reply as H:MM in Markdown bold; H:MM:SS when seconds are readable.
**5:09:47**
